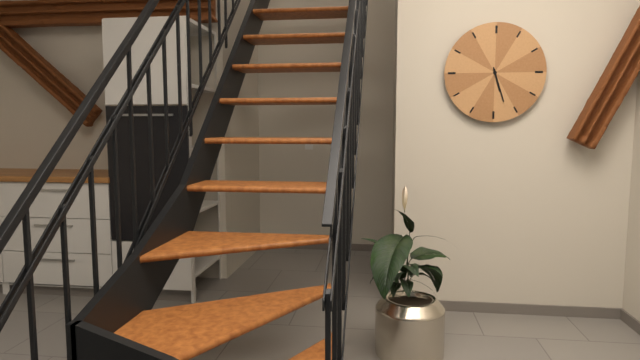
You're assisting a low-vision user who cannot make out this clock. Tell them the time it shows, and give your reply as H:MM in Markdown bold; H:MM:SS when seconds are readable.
**5:27**
